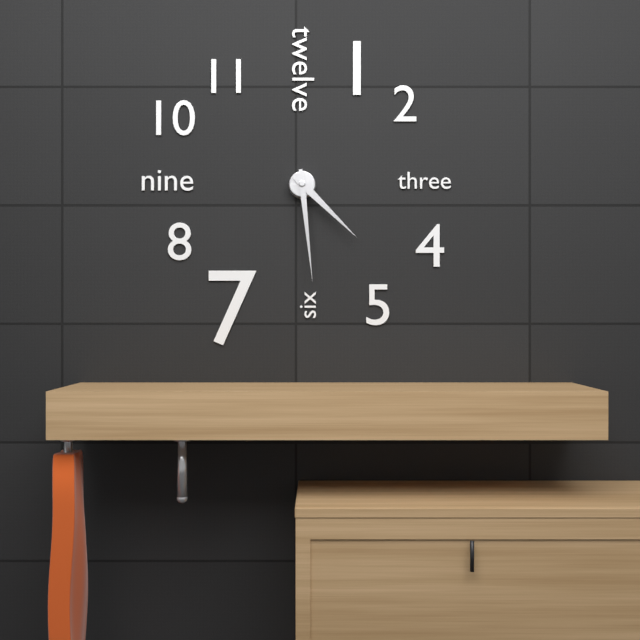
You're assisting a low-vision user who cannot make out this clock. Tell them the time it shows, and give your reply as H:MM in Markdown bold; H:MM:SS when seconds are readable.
**4:29**
